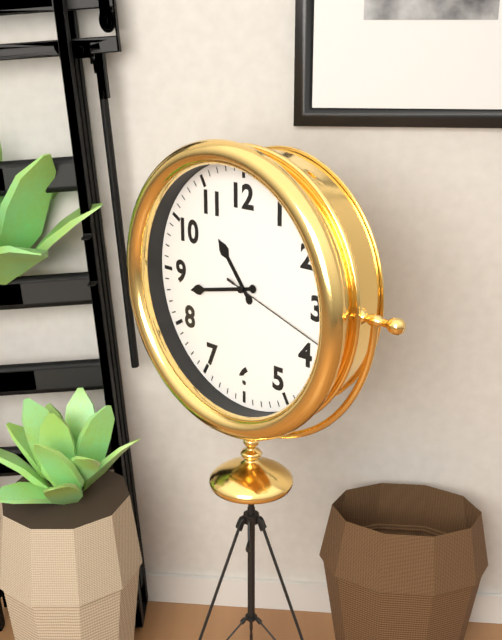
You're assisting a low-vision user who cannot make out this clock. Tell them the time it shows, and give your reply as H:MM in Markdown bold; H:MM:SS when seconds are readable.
**10:43:18**
